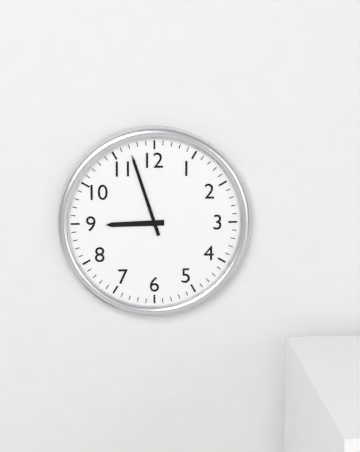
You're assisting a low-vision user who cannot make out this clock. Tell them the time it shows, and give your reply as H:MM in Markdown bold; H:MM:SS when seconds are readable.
**8:57**
